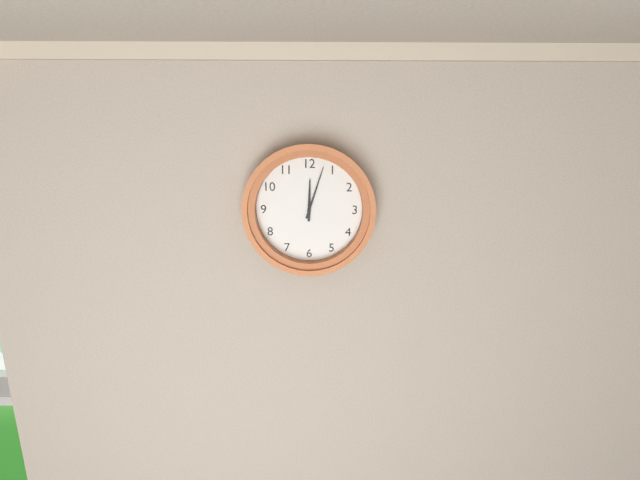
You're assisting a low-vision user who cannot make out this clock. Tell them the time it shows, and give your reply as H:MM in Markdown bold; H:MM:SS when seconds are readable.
**12:03**
